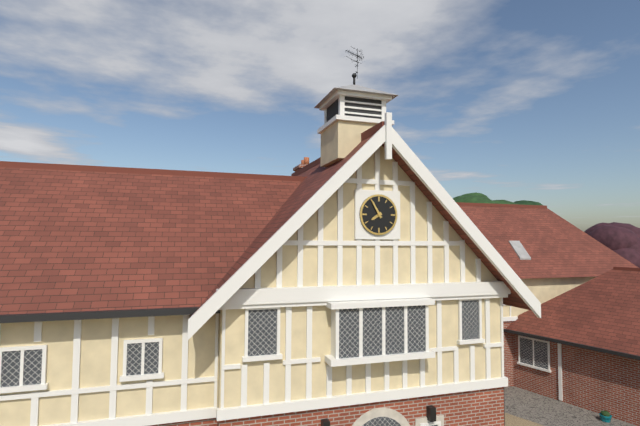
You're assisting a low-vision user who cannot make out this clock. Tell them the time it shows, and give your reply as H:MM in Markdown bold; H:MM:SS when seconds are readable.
**7:55**
